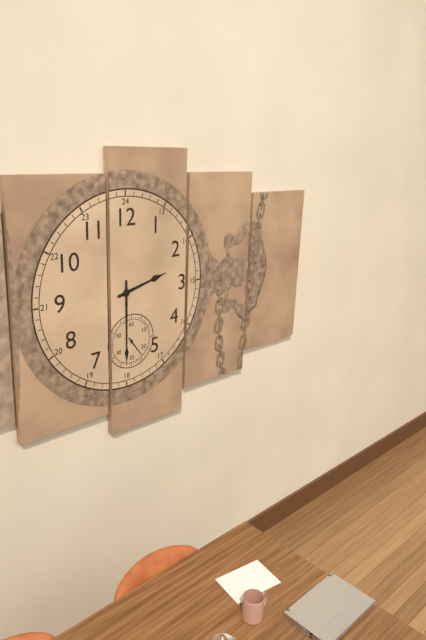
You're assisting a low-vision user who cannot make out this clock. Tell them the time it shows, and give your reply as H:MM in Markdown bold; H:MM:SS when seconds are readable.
**2:30**
